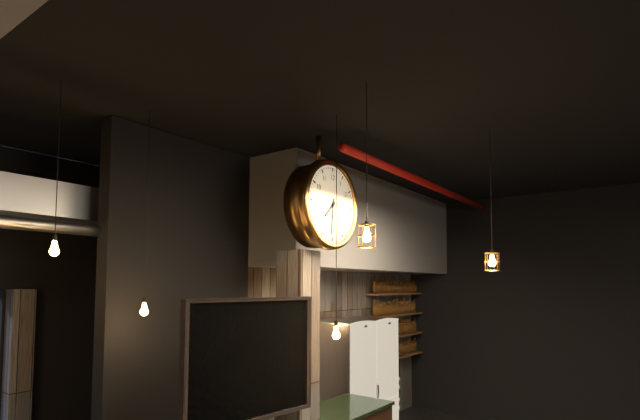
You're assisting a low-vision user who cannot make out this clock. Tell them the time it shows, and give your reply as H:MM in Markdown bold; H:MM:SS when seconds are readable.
**7:31**
